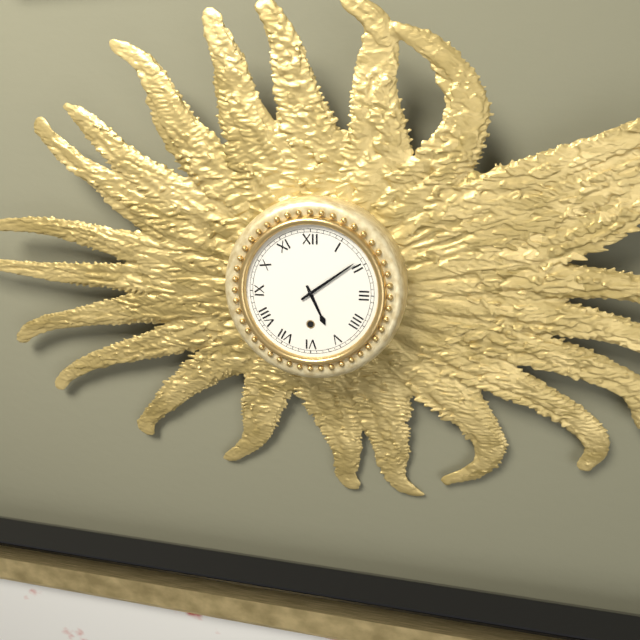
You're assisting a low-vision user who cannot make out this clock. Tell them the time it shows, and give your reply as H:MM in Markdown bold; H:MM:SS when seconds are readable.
**5:09**
